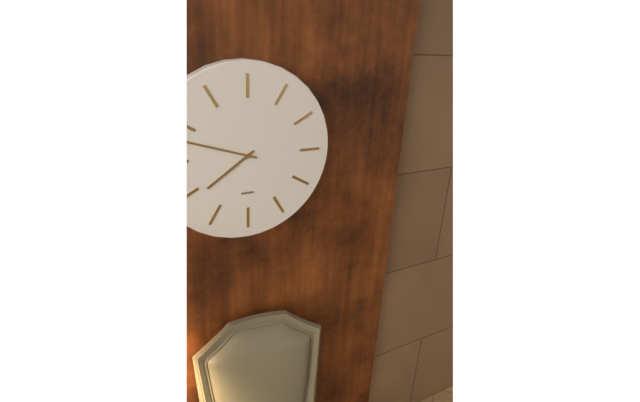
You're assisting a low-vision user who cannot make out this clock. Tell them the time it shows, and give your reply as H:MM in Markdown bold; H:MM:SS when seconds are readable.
**7:48**
